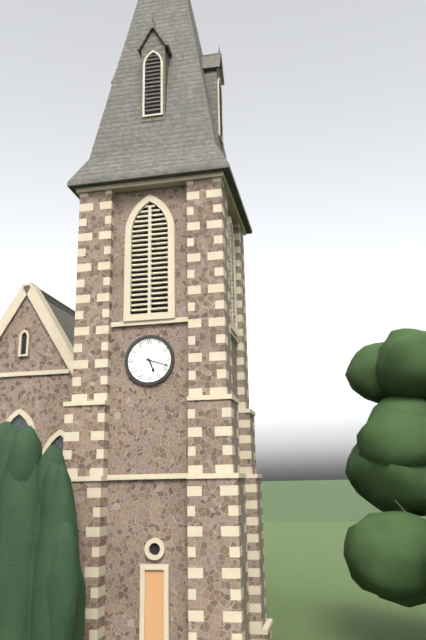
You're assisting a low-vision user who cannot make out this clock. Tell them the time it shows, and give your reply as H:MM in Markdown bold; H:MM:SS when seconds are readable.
**5:18**
